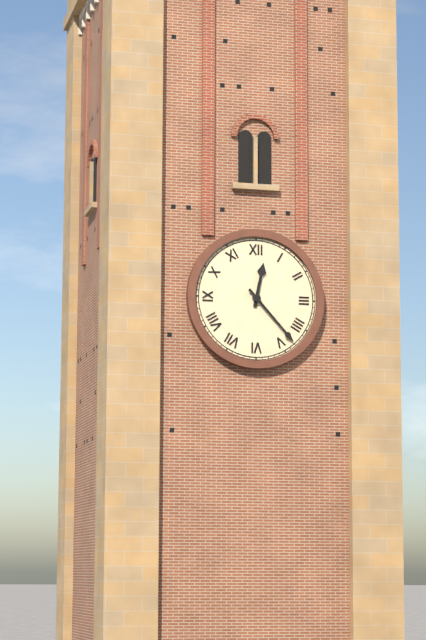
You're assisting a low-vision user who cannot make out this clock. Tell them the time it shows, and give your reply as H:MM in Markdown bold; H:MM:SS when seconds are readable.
**12:23**
